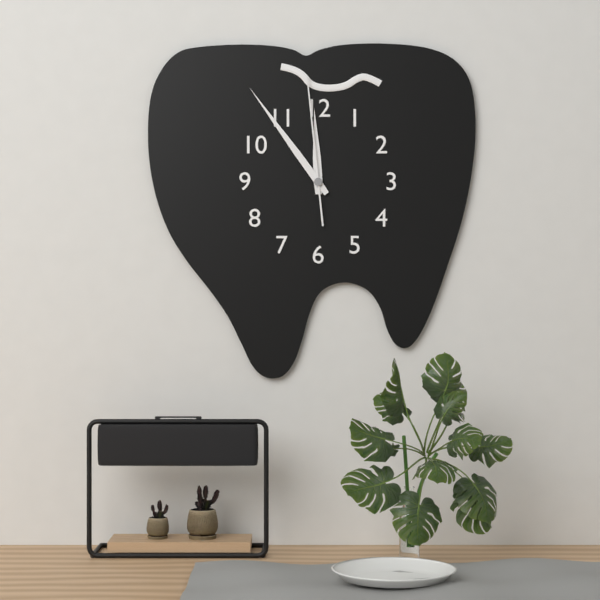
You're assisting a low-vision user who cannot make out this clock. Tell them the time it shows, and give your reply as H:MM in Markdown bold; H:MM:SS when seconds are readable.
**11:54:59**
